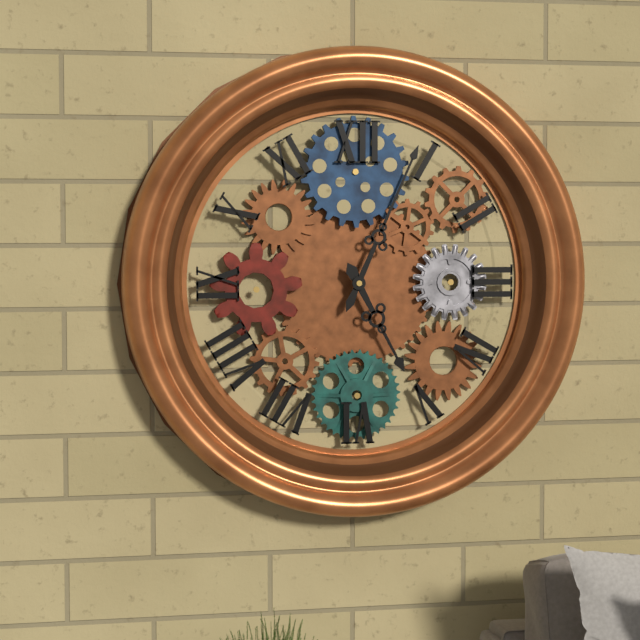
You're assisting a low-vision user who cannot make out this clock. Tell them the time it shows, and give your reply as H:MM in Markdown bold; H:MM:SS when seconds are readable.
**5:04**
